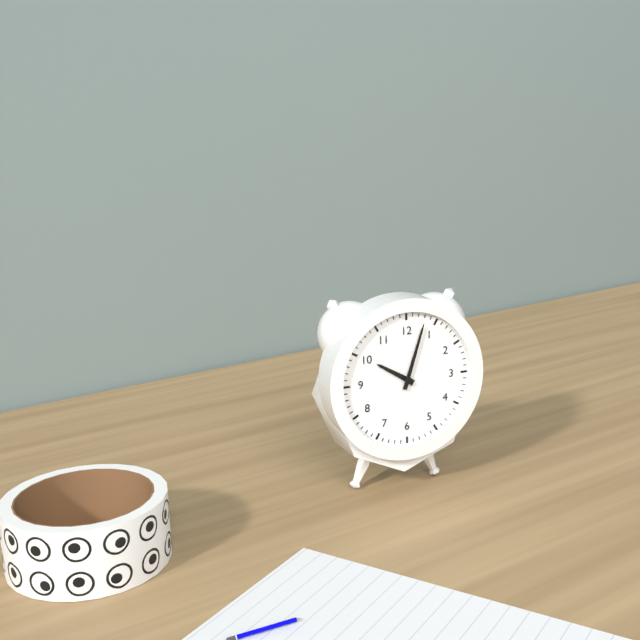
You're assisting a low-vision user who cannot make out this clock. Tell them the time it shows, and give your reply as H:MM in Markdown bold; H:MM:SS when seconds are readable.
**10:03**
